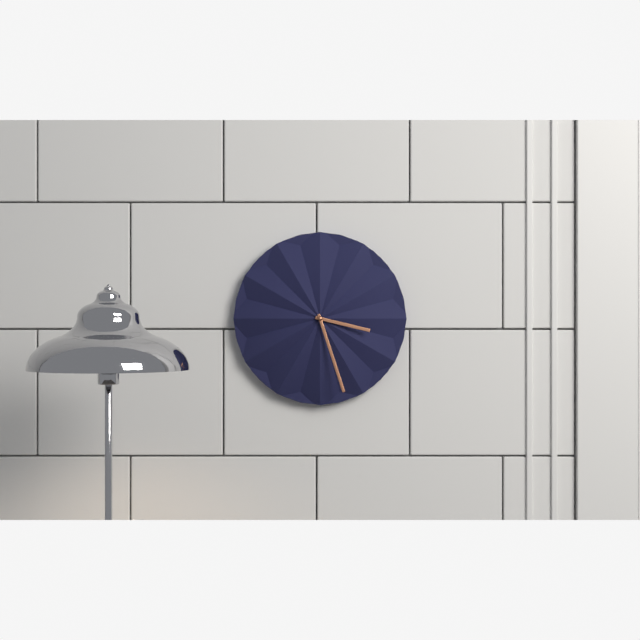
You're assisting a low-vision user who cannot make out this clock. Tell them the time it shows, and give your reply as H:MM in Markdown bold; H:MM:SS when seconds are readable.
**3:27**
